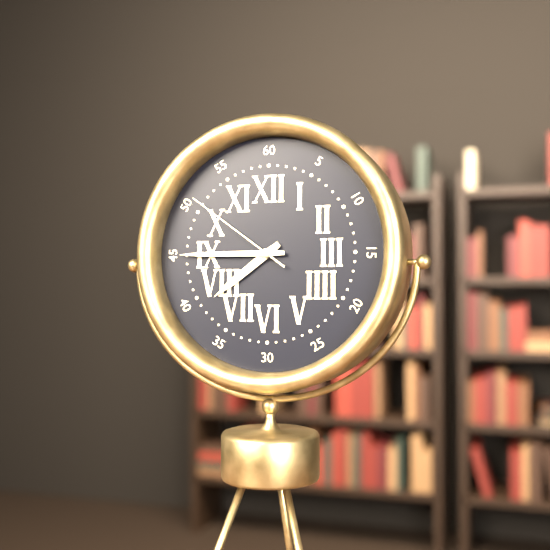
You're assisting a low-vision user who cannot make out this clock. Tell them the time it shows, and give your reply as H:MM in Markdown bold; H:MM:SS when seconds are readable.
**7:45:51**
